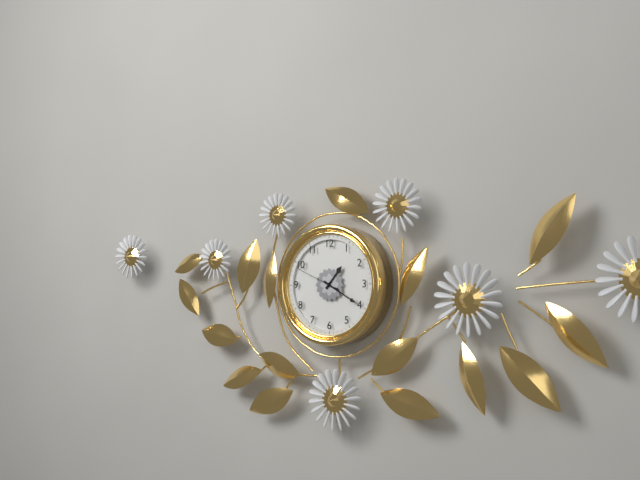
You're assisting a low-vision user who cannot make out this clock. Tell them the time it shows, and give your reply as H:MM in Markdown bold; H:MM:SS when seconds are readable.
**1:20**
